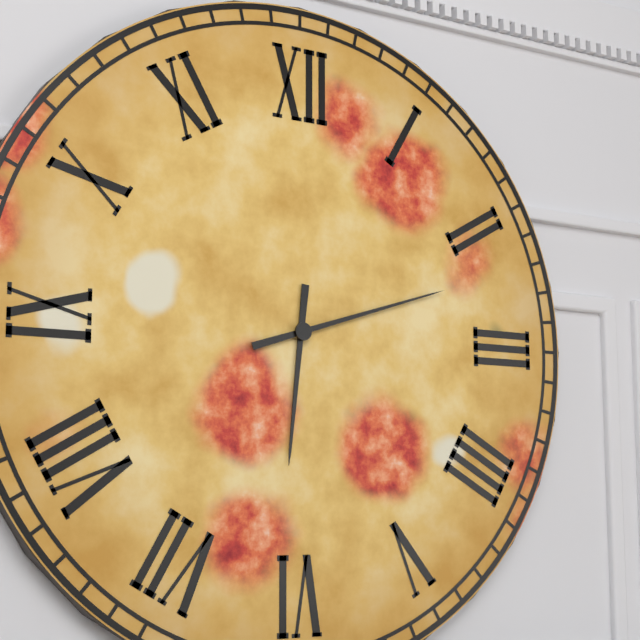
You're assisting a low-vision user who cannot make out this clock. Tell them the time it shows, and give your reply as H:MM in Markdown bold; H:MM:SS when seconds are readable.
**6:12**
